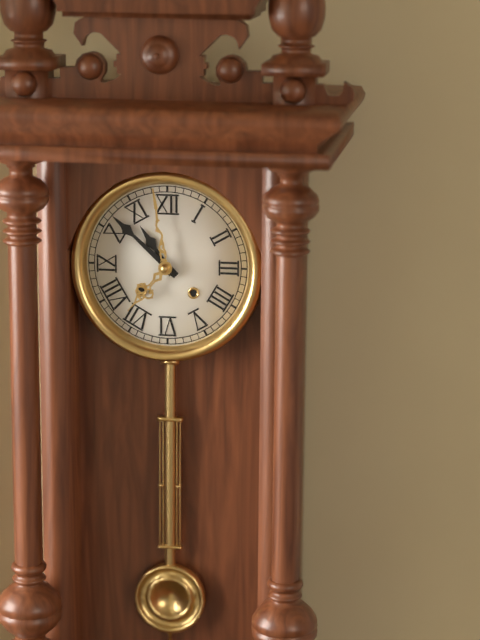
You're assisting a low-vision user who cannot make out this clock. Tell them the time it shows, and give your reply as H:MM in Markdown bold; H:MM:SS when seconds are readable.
**10:52**
